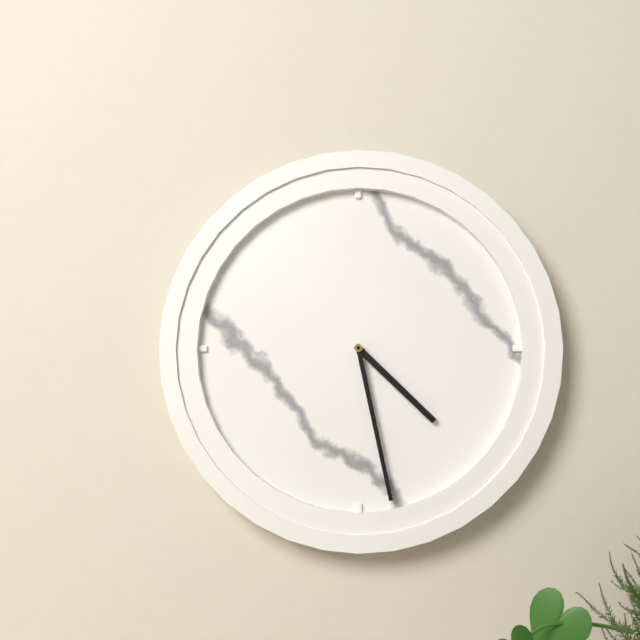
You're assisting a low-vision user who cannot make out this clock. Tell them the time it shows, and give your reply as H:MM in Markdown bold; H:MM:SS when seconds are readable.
**4:28**
